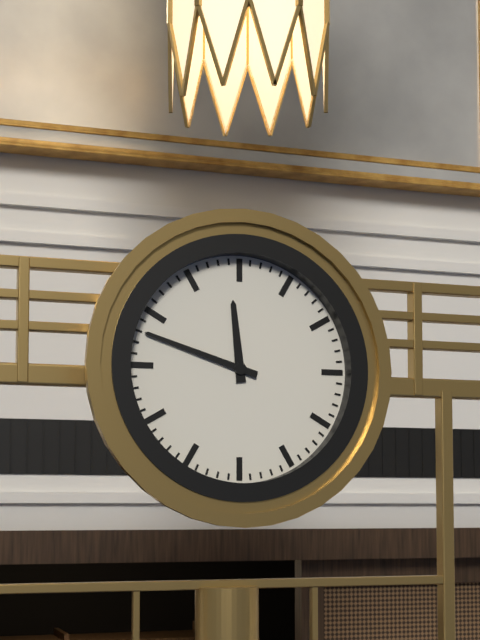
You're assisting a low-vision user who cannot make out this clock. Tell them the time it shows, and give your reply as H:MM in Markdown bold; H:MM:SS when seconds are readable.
**11:48**
